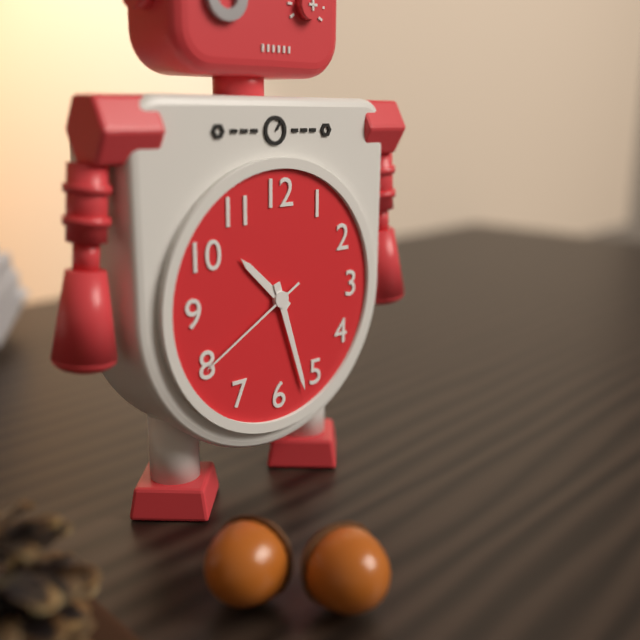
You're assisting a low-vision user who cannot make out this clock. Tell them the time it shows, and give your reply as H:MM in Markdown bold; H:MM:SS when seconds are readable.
**10:27:40**
